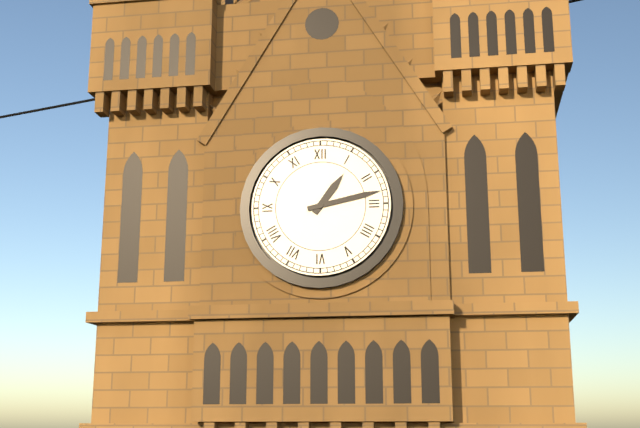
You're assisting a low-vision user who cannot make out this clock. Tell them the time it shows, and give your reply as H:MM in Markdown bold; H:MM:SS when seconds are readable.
**1:13**
